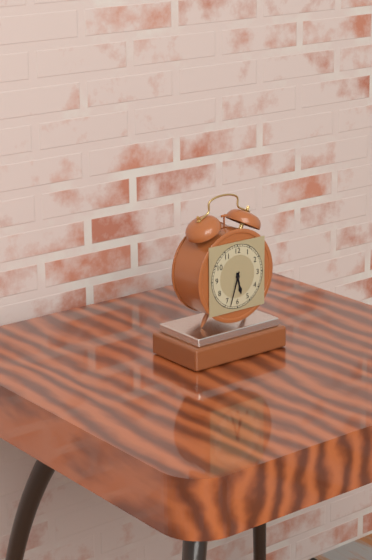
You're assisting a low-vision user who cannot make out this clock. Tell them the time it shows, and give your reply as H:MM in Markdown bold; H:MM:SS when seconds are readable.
**5:33**
